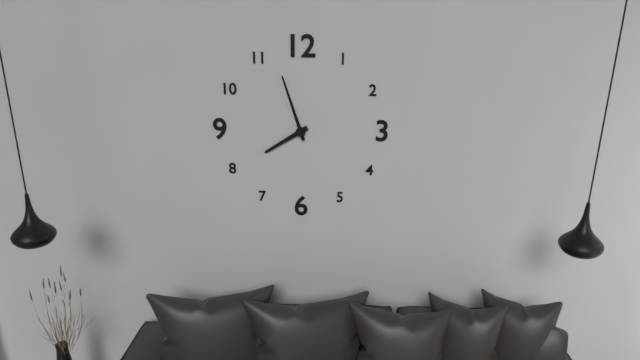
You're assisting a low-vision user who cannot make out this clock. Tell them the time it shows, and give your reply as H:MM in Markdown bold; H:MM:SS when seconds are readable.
**7:57**
